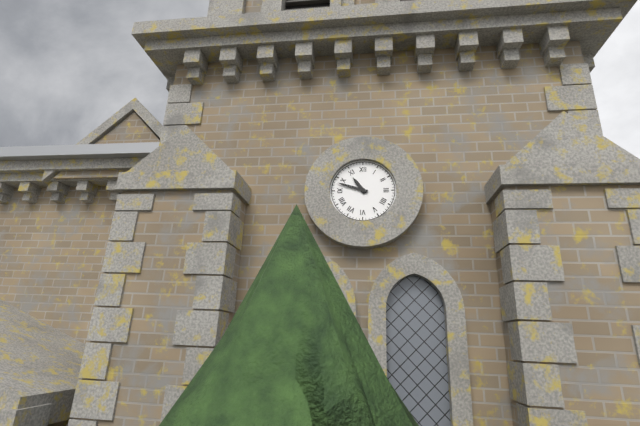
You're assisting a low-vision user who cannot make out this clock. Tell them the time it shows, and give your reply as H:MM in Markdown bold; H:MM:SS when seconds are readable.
**10:48**
